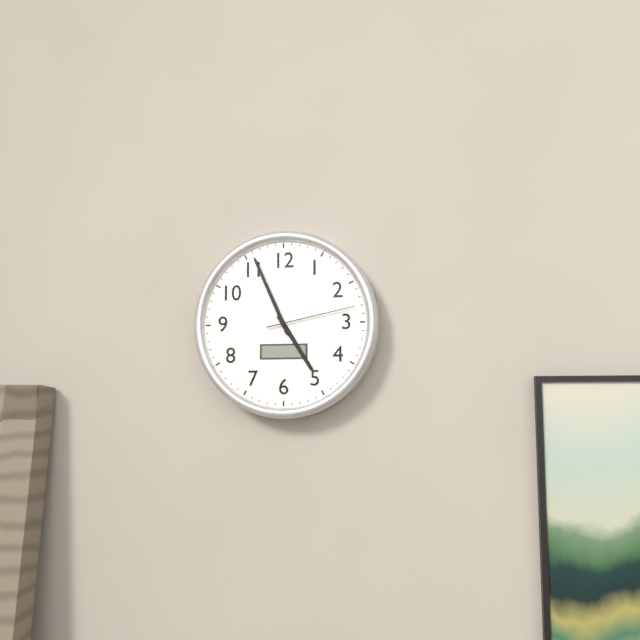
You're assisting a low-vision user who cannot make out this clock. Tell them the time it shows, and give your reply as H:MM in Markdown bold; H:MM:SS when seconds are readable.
**4:56:13**
